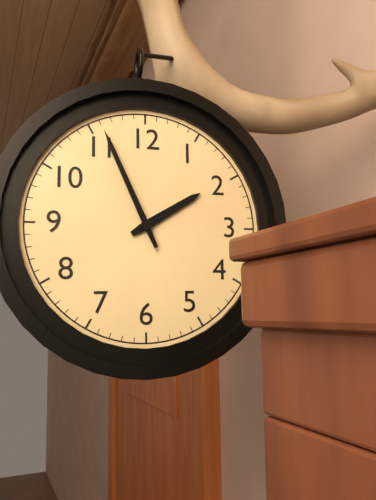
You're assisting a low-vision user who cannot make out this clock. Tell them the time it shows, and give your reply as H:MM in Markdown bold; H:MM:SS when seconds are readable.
**1:56**
